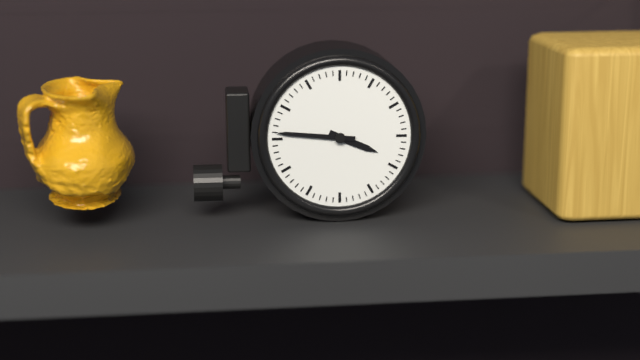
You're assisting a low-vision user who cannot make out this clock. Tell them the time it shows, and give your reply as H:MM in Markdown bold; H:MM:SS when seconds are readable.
**3:46**
